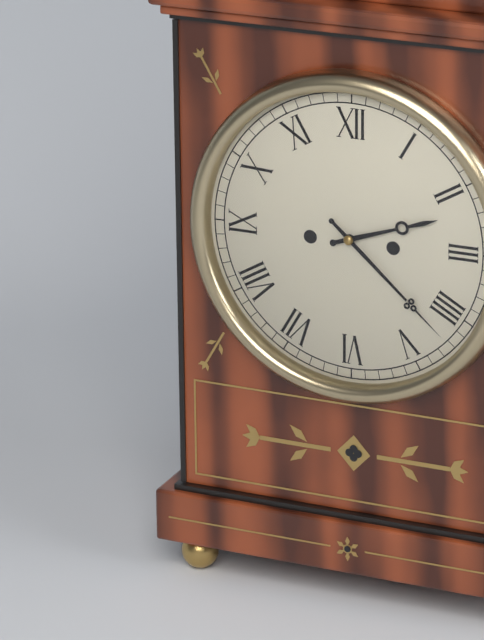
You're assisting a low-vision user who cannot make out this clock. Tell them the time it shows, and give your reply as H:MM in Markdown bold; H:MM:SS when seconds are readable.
**2:22**
